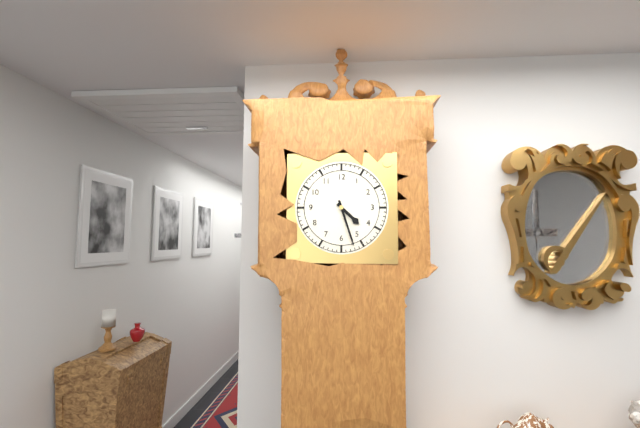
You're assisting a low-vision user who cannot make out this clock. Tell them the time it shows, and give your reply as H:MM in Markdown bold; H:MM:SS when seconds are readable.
**4:27**
